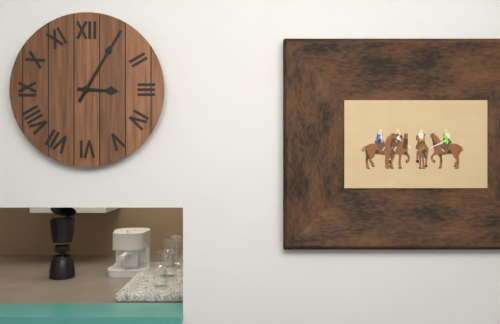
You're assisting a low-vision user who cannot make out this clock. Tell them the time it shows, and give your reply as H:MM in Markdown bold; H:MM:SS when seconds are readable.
**3:05**
